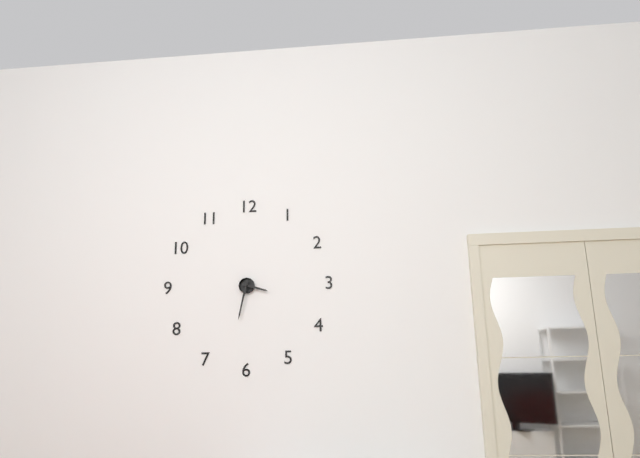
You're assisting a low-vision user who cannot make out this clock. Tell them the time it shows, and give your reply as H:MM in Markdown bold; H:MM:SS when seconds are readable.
**3:32**
